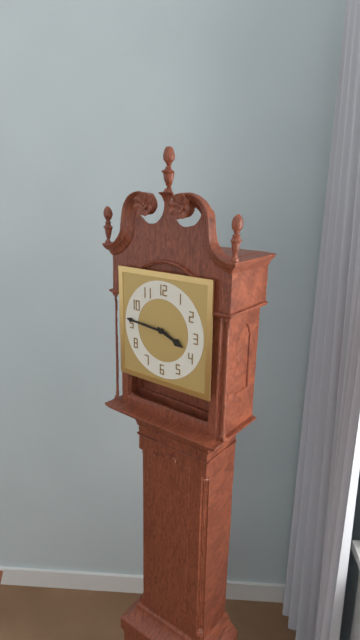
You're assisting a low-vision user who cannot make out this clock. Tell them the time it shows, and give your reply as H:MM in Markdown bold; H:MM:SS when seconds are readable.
**3:46**
